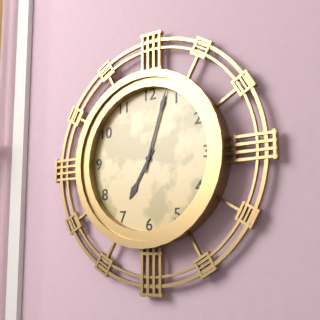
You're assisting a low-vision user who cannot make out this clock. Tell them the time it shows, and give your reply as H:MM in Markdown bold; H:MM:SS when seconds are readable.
**7:03**
